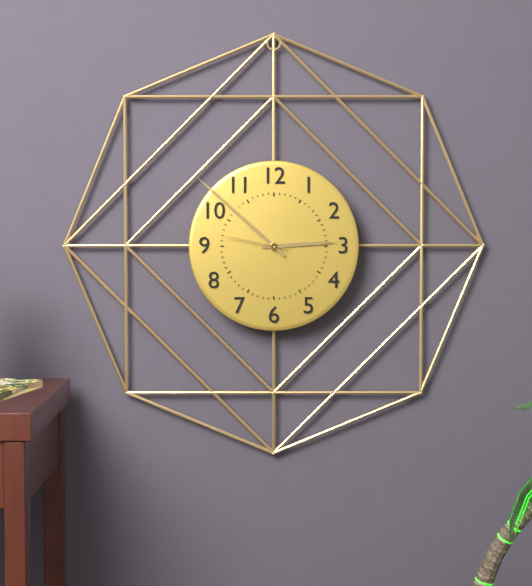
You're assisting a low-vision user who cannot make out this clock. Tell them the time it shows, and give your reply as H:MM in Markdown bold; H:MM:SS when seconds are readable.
**2:52:47**
